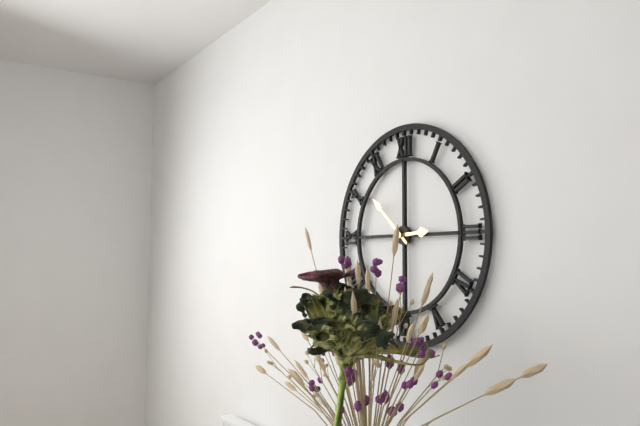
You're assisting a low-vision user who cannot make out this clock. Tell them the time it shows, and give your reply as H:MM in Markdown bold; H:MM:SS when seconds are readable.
**2:52**
